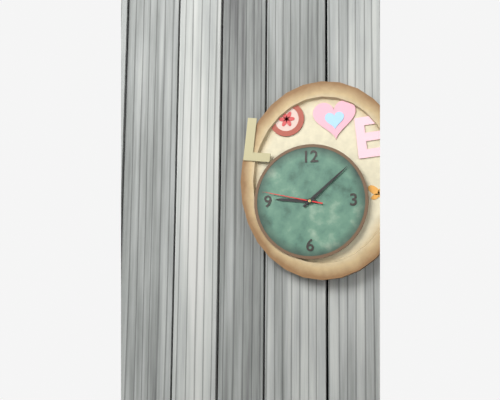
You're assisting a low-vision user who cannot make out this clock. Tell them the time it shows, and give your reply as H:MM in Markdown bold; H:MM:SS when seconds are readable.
**9:08:47**
